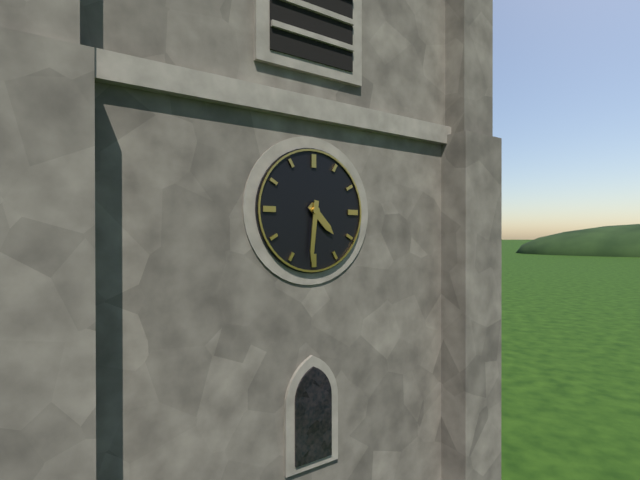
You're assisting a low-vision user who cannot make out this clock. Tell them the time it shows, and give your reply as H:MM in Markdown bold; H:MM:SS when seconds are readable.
**4:31**
